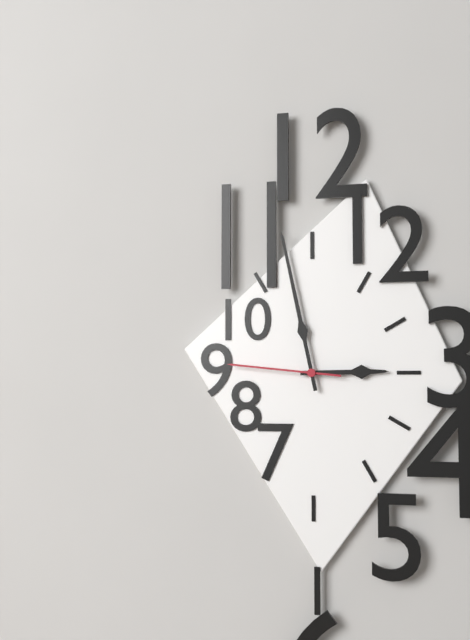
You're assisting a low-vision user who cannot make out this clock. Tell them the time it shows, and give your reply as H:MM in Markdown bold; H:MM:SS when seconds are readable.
**2:58:46**
